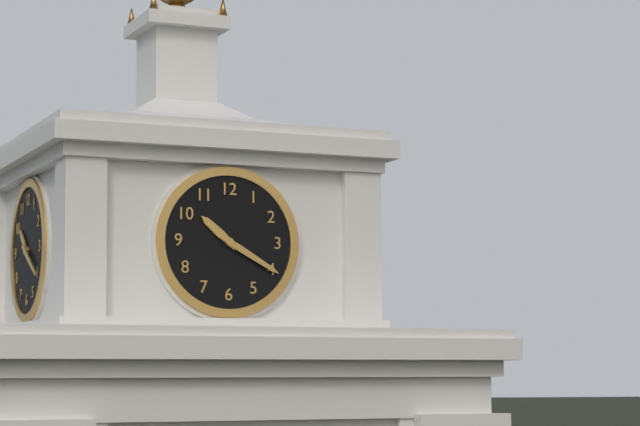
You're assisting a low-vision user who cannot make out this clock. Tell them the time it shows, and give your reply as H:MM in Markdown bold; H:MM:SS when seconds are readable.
**10:20**
